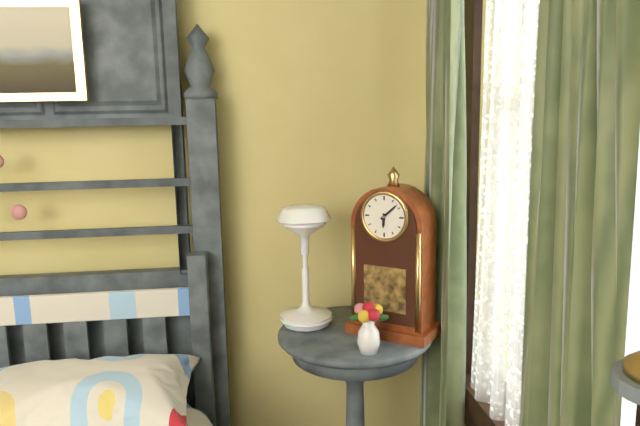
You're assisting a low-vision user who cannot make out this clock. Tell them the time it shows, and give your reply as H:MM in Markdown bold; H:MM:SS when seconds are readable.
**6:08**
